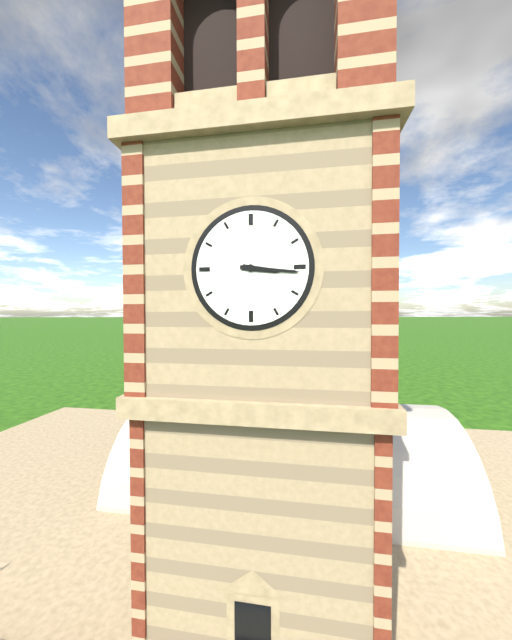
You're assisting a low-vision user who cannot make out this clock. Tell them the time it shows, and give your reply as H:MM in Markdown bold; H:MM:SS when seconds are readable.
**3:16**
